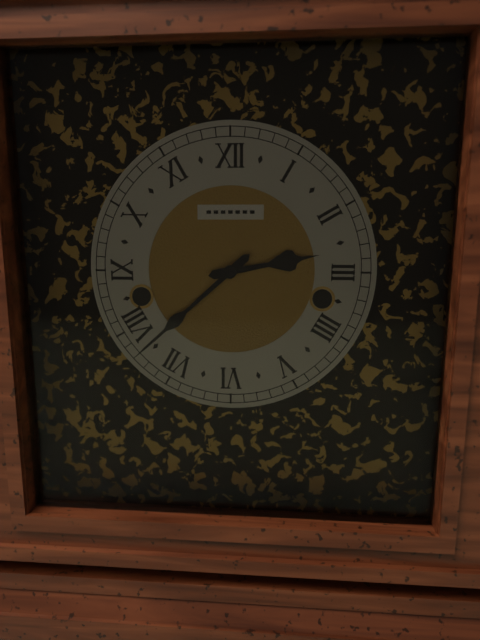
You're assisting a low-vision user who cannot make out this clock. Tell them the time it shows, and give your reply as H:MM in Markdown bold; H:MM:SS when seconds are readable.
**2:38**
